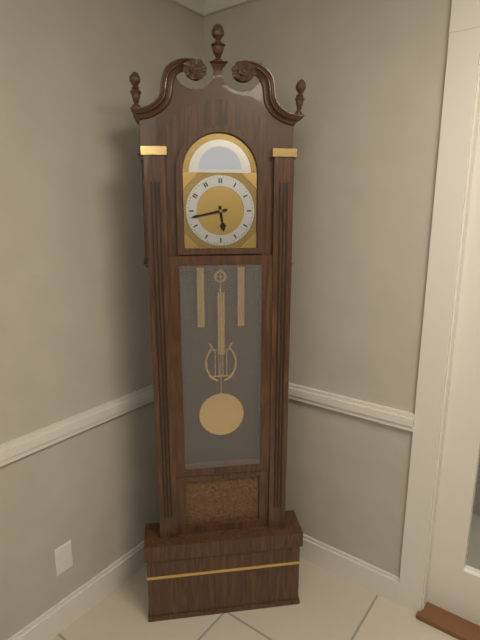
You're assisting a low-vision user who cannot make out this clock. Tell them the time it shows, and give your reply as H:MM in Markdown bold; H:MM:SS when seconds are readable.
**5:43**
